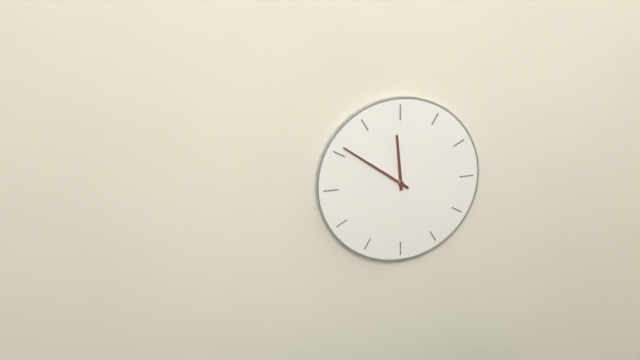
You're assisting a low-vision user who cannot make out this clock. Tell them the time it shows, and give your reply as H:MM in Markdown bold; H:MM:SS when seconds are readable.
**11:51**
